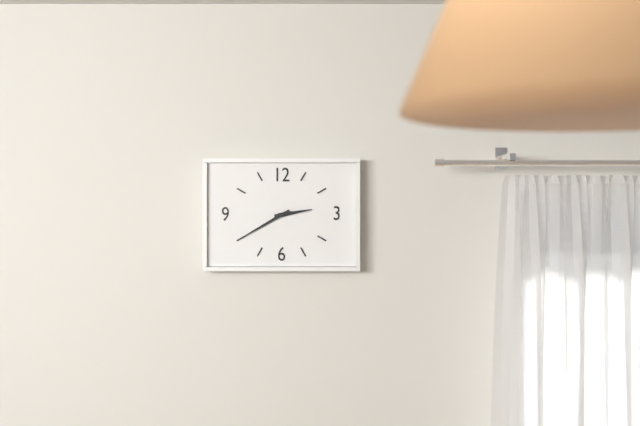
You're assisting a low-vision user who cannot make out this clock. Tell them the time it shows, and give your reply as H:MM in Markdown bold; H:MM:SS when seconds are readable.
**2:40**
